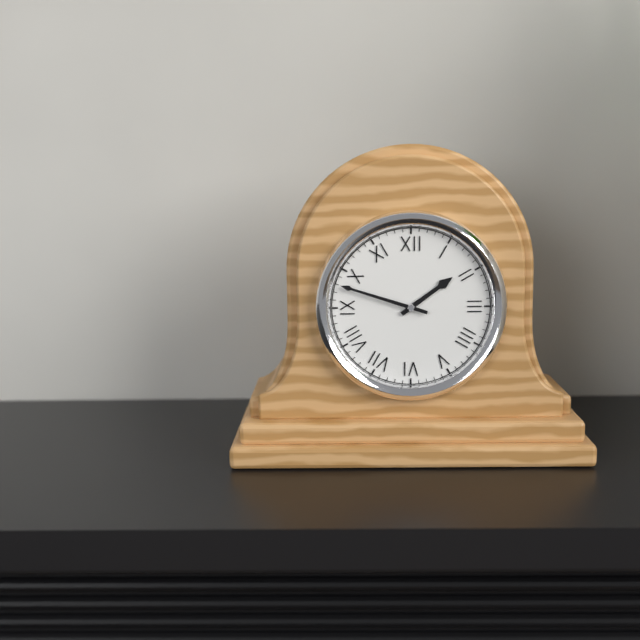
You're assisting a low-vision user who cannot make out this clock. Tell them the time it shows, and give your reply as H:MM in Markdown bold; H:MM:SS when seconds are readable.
**1:48**
